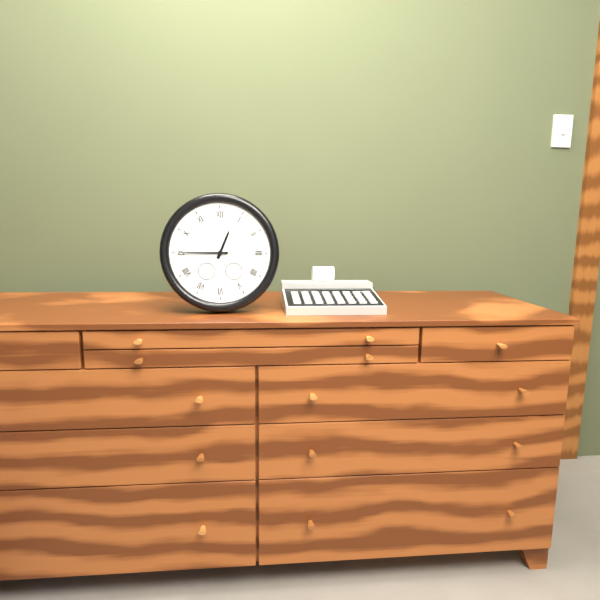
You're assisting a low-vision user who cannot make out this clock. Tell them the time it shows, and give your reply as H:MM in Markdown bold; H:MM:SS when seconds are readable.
**12:45**
